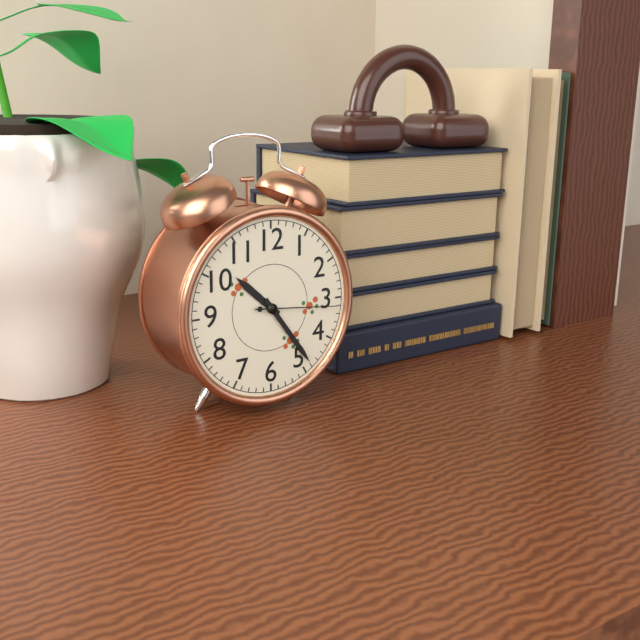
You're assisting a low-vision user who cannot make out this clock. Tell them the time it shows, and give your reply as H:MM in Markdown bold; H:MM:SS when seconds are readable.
**10:24:16**
